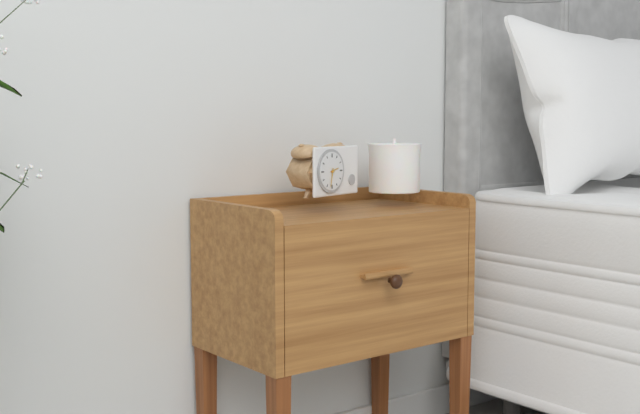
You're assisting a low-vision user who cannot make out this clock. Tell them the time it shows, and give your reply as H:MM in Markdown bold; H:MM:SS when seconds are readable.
**2:32**
